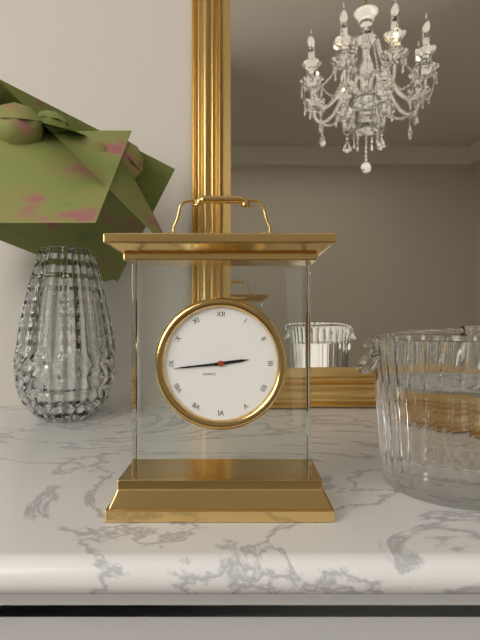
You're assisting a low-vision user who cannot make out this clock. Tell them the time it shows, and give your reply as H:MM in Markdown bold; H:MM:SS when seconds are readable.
**2:44**
